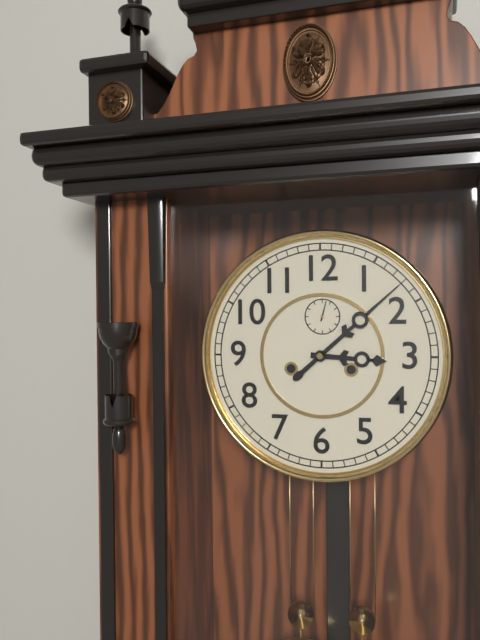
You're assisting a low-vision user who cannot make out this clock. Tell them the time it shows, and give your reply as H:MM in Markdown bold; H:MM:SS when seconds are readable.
**3:08**
